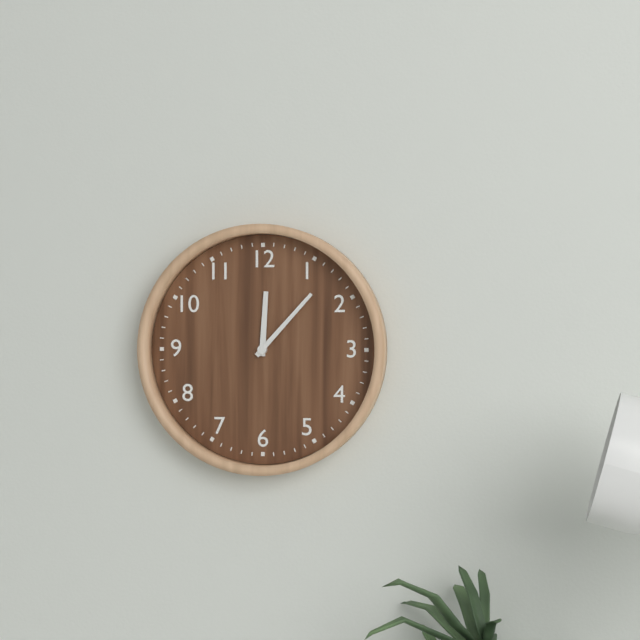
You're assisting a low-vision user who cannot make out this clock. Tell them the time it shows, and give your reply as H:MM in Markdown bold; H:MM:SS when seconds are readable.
**12:07**
